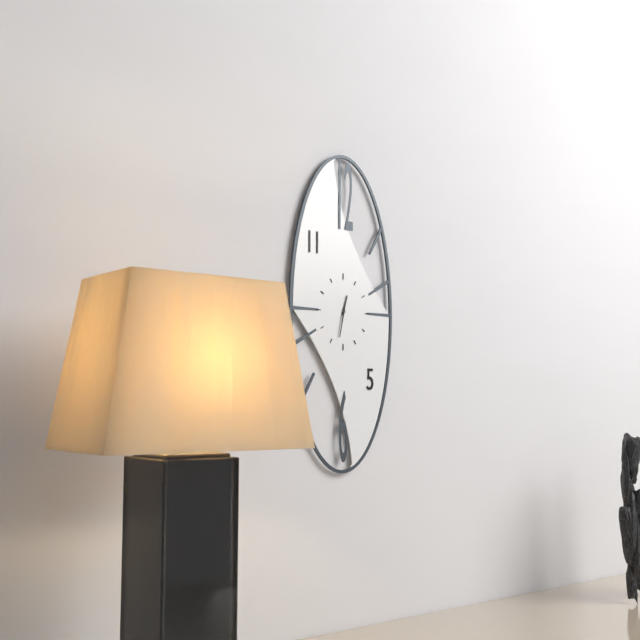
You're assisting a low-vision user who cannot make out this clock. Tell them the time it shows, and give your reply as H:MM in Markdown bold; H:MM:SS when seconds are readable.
**12:32**
